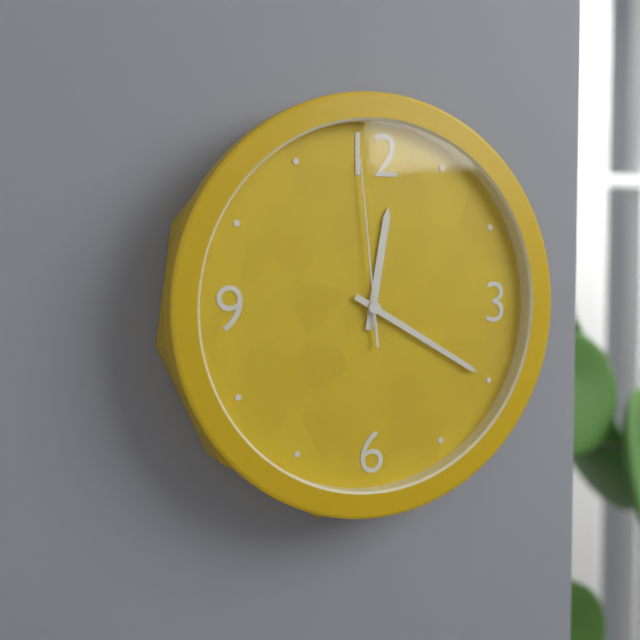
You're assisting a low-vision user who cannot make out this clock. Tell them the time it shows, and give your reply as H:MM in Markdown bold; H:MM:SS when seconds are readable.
**12:20:59**
